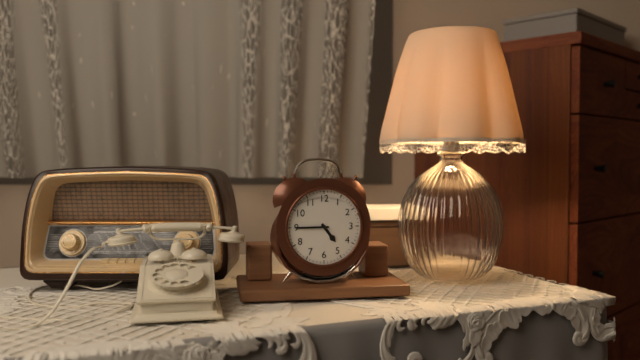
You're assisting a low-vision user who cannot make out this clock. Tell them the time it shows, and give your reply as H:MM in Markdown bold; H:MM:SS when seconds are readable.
**4:45**
